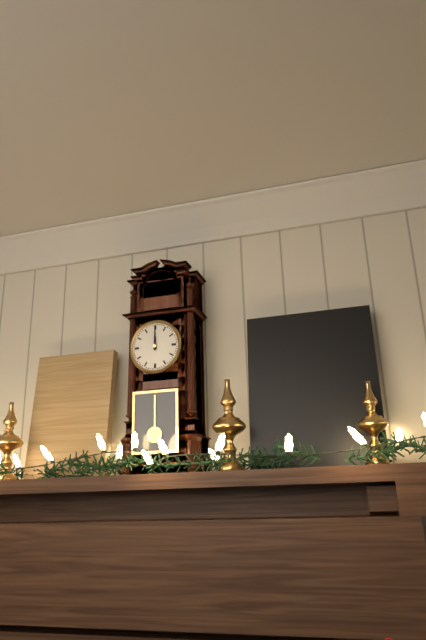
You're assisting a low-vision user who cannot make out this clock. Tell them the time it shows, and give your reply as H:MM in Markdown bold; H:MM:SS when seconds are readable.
**12:00**
